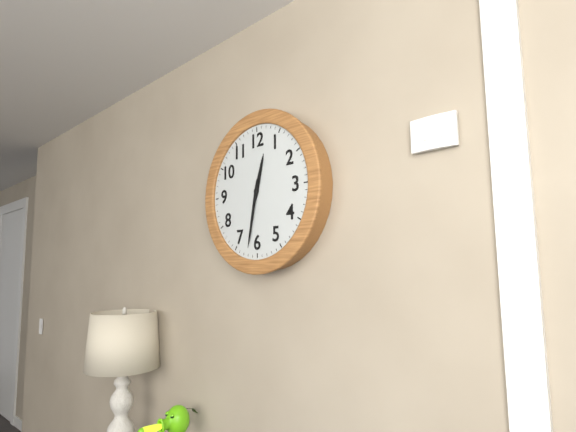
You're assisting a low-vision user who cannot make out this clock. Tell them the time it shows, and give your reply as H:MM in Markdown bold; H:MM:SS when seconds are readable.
**12:32**
